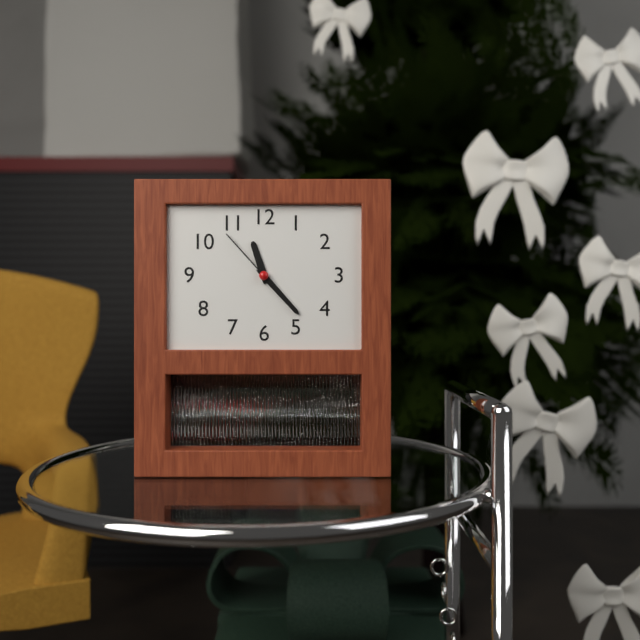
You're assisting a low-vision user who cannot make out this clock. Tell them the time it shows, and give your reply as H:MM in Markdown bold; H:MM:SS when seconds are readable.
**11:23:53**
